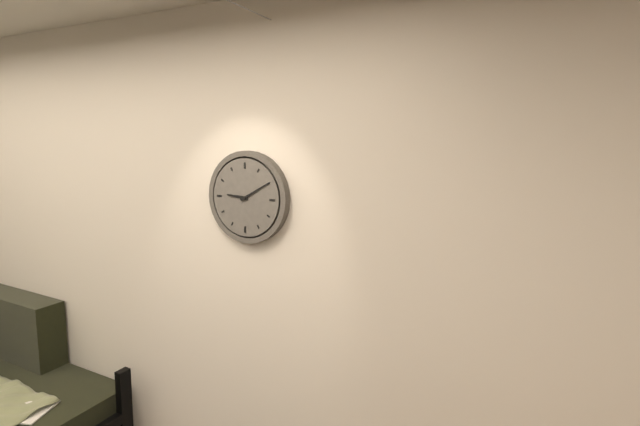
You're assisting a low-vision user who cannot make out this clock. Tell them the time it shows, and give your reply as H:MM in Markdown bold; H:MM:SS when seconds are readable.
**9:10**
